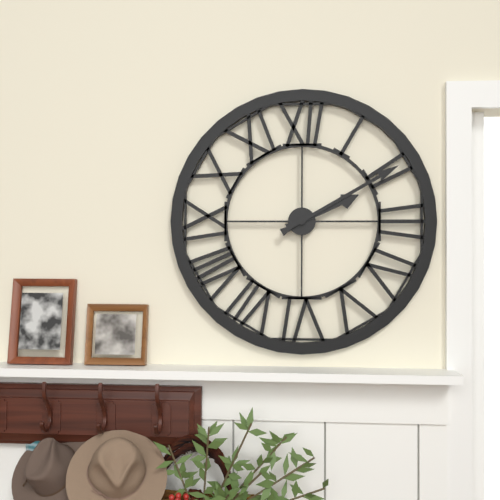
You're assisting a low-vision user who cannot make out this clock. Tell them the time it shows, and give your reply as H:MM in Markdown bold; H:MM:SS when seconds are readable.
**2:10**
